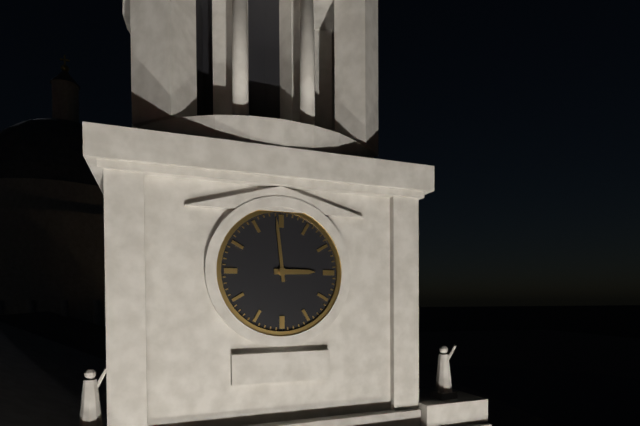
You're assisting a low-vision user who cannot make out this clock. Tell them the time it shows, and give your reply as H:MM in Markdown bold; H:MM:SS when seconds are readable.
**2:59**
